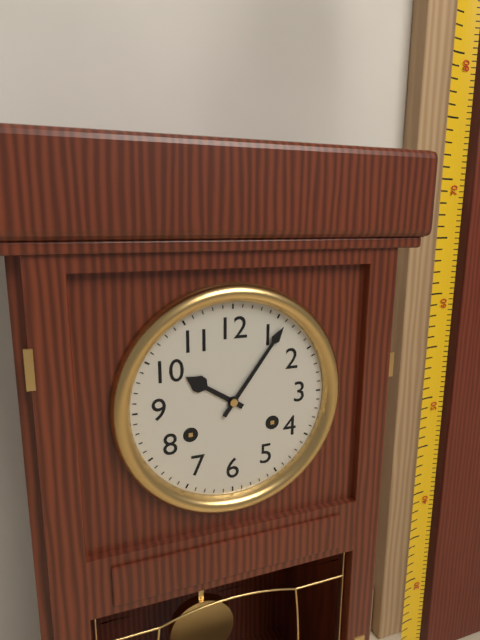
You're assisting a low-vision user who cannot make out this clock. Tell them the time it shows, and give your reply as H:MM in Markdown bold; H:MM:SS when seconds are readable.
**10:06**
